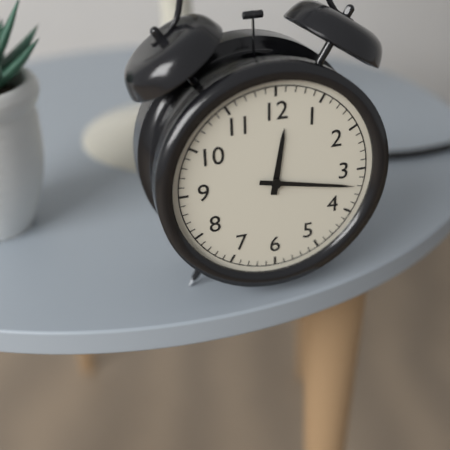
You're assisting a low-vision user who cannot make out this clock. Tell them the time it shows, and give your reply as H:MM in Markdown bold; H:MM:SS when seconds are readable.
**12:17**
